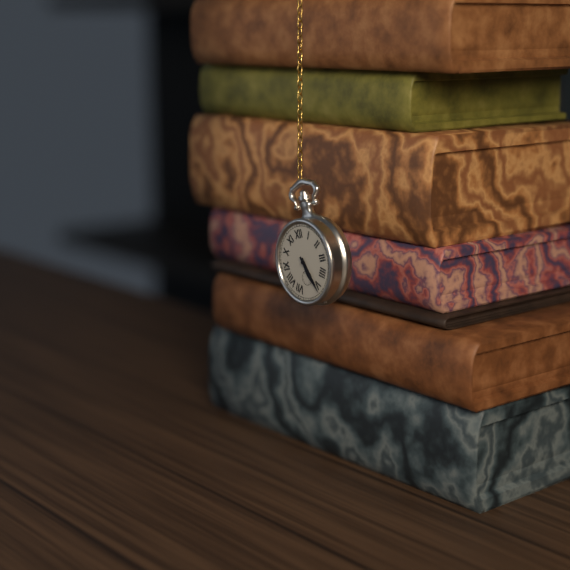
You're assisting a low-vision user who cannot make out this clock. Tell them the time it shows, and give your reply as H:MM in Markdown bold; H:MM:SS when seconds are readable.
**5:26**
